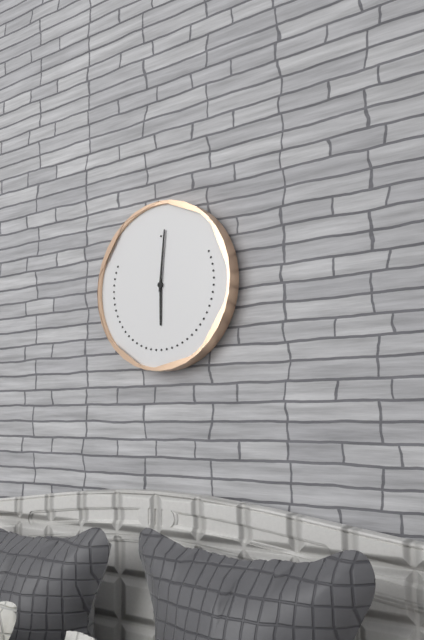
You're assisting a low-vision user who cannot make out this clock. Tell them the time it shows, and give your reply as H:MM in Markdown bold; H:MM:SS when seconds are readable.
**6:01**
